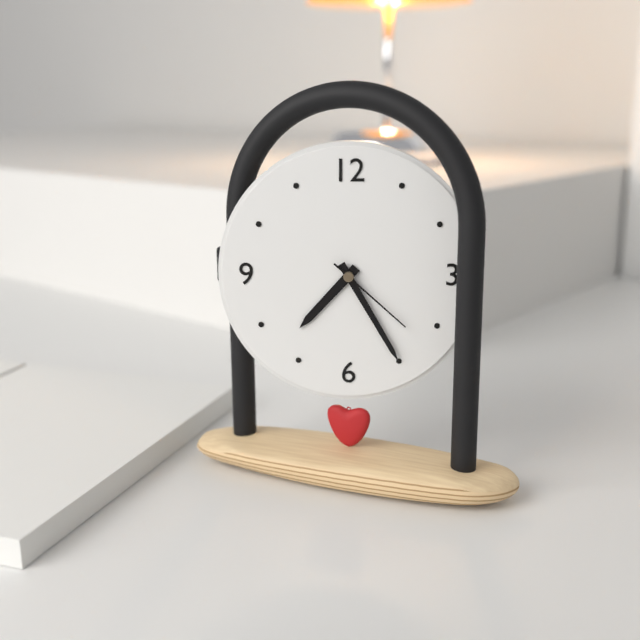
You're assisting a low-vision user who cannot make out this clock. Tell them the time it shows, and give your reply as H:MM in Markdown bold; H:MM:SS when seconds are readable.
**7:25:22**
